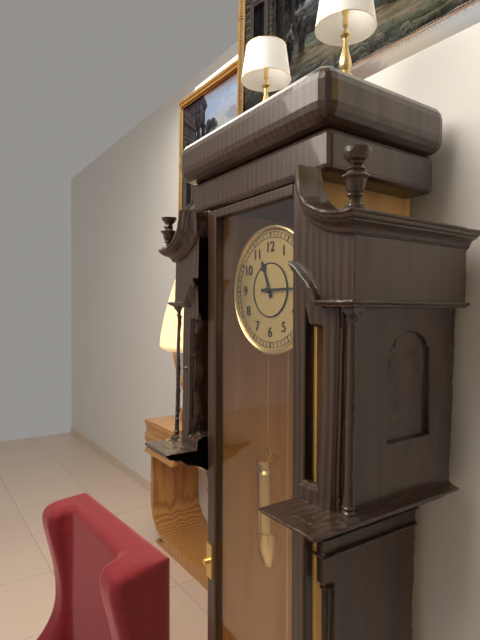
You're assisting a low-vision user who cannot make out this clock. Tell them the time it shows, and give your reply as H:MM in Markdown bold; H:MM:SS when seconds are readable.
**11:15**
